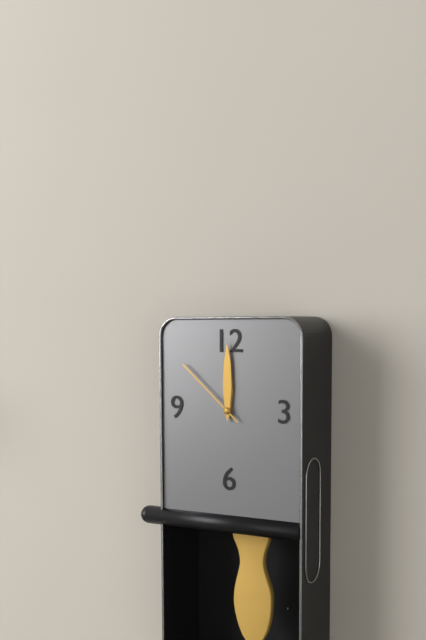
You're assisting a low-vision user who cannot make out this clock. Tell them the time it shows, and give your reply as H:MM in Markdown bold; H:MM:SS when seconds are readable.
**12:00:52**
